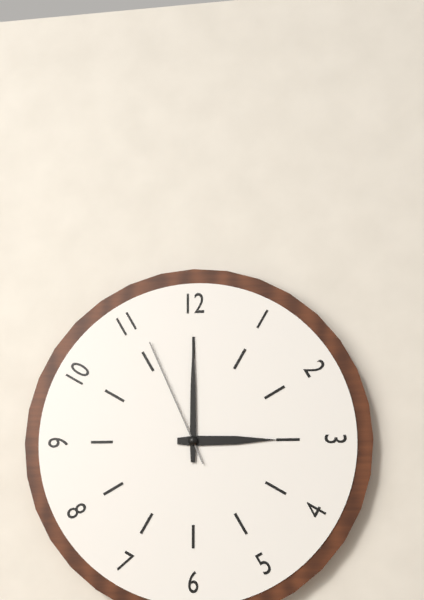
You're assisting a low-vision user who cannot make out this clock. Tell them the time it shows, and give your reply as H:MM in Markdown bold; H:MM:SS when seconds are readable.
**3:00:56**
